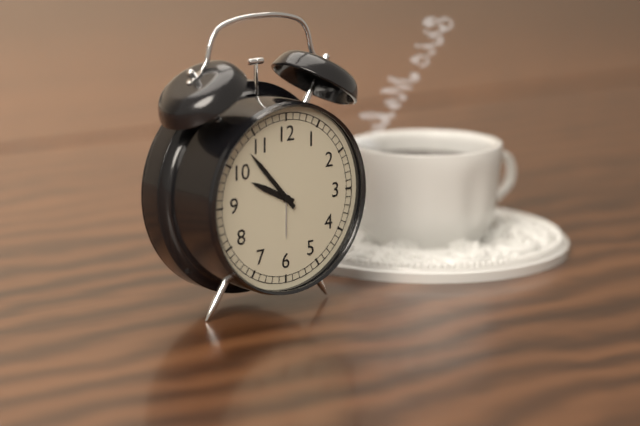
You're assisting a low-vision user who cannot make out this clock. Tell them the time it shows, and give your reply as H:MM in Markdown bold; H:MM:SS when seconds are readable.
**9:53**
